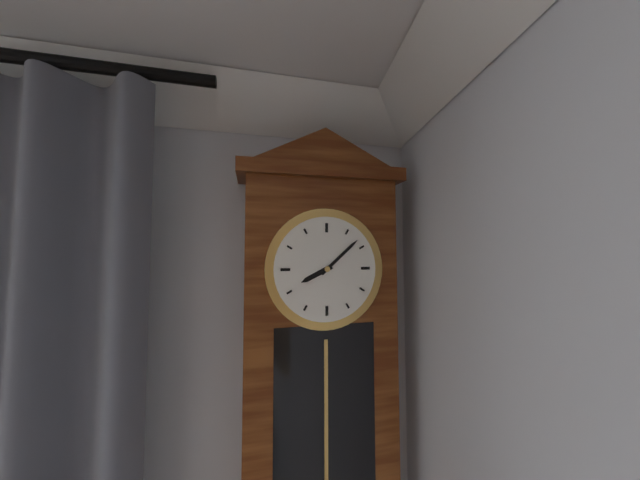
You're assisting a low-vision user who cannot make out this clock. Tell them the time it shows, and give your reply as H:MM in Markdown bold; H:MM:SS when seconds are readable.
**8:08**
